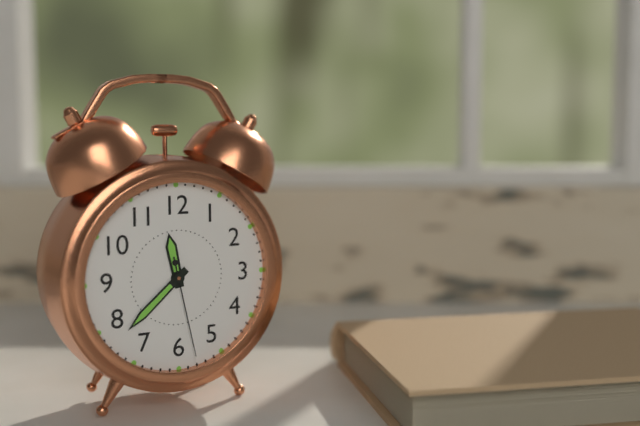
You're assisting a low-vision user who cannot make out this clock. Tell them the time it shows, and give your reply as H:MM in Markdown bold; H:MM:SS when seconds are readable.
**11:38:28**
